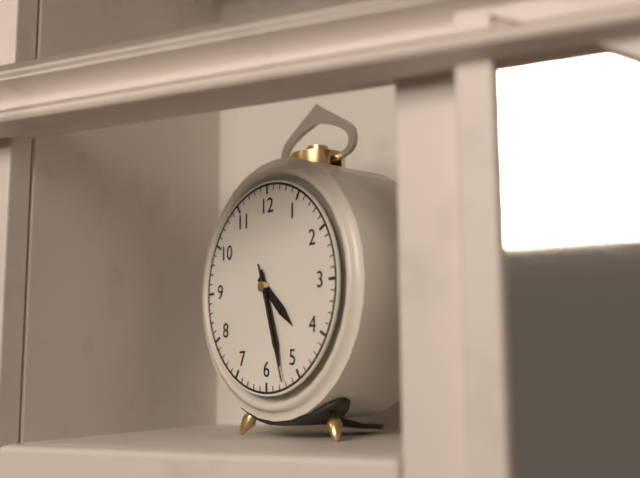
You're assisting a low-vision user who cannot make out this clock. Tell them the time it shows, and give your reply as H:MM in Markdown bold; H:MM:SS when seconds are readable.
**4:27:27**
